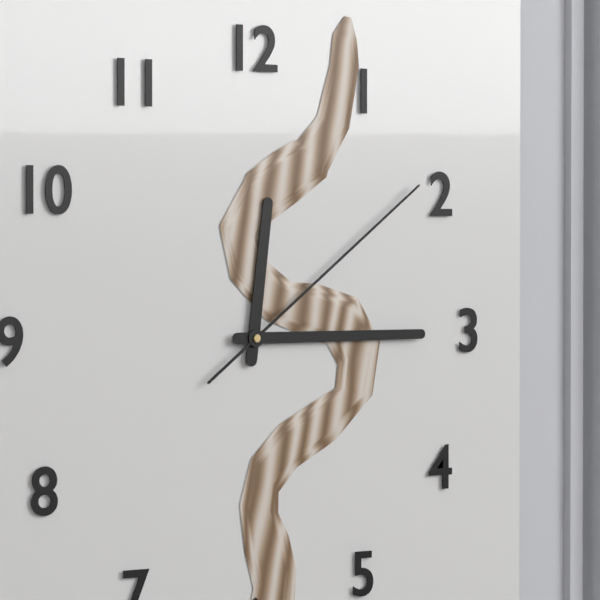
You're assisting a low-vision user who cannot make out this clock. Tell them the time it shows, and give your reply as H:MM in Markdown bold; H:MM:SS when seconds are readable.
**12:15:09**
